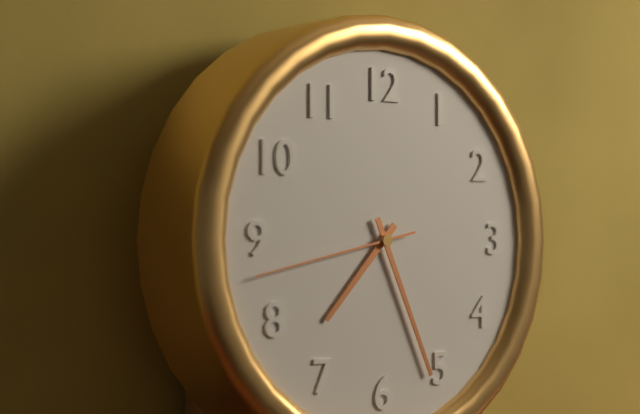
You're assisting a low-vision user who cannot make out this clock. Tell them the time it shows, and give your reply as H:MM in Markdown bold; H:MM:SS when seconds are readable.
**7:26:43**
